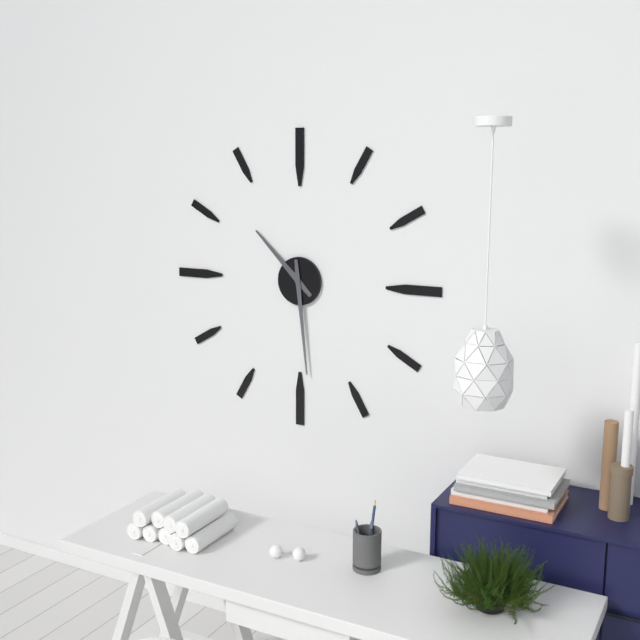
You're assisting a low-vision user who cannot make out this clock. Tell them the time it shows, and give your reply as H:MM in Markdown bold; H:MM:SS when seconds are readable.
**10:29**
